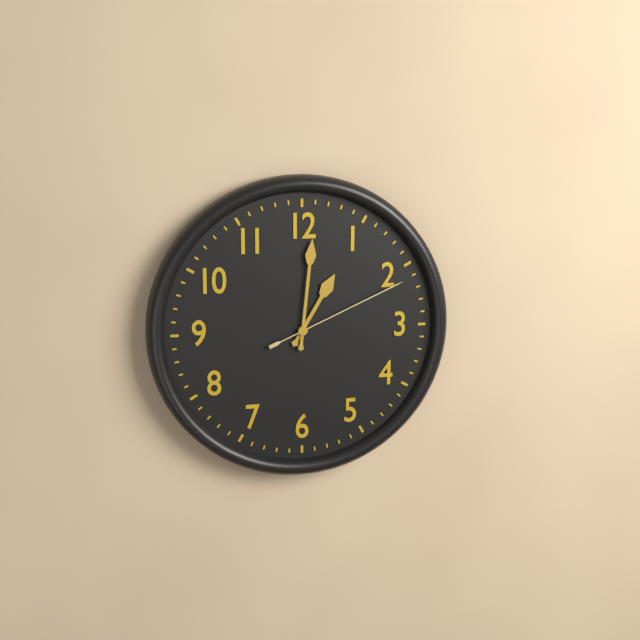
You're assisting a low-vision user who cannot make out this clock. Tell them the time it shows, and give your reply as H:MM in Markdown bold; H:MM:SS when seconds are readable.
**1:01:11**
